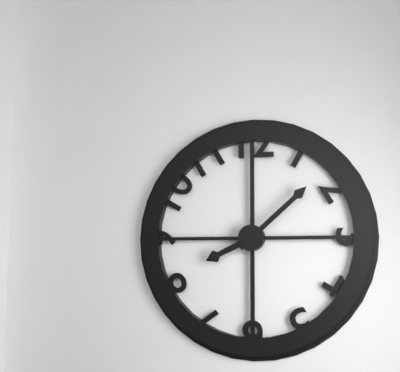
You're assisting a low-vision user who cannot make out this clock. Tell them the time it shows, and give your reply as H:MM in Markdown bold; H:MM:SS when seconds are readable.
**8:08**
